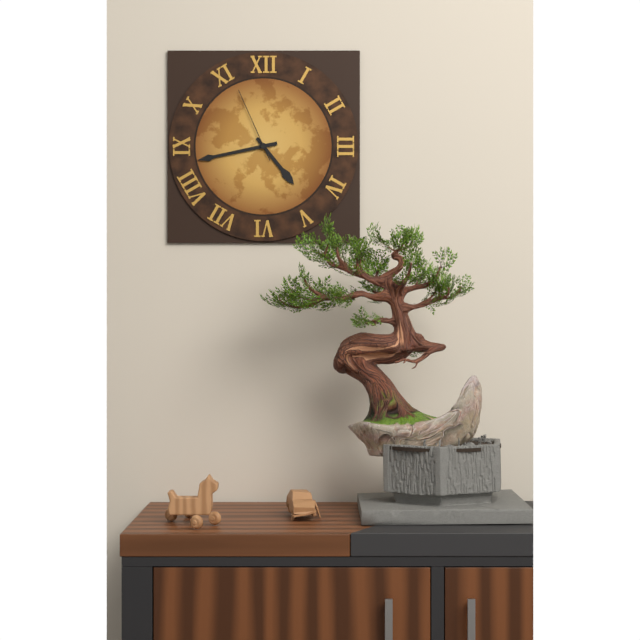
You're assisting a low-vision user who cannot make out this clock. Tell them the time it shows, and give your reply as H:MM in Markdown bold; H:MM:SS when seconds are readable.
**4:43:56**
